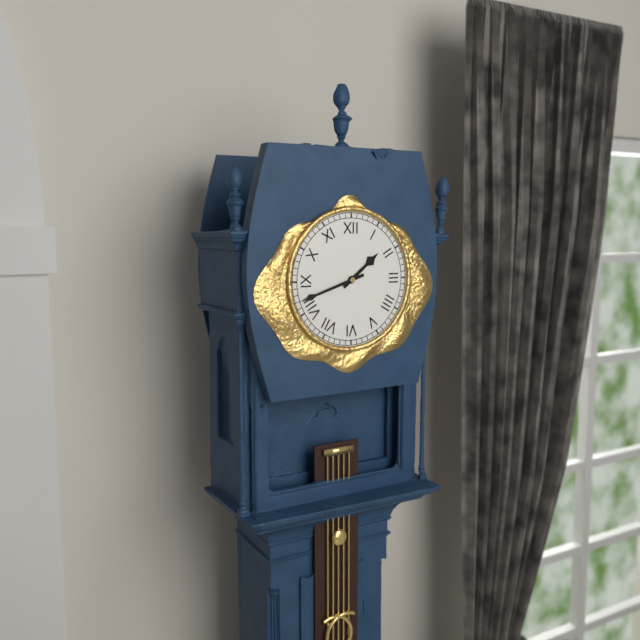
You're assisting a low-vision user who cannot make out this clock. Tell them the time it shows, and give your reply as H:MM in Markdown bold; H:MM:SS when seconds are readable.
**1:42**
